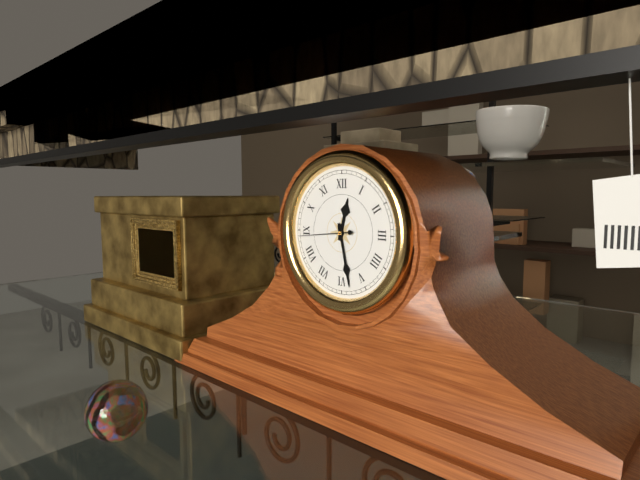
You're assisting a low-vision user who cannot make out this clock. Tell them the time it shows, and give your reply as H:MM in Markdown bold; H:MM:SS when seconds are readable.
**12:28:44**
